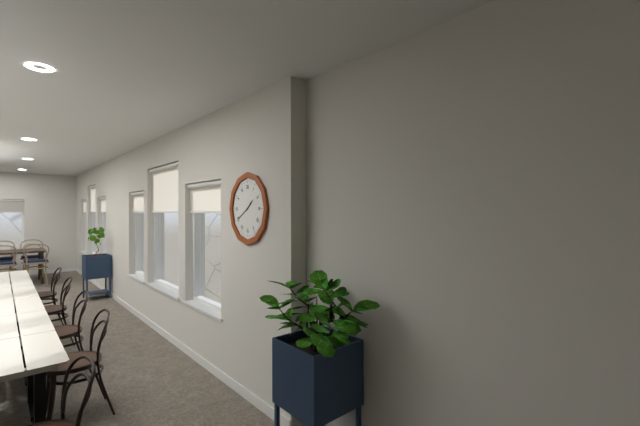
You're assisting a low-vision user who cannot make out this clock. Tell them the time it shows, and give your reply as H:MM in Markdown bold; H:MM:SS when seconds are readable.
**1:40**
